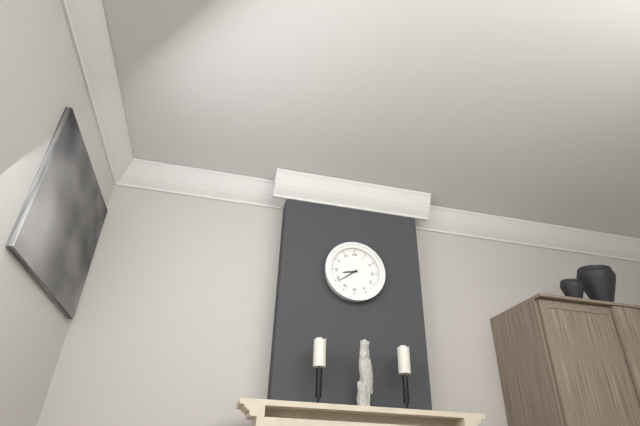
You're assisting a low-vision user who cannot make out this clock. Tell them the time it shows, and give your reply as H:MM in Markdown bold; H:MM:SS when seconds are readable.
**8:39**
